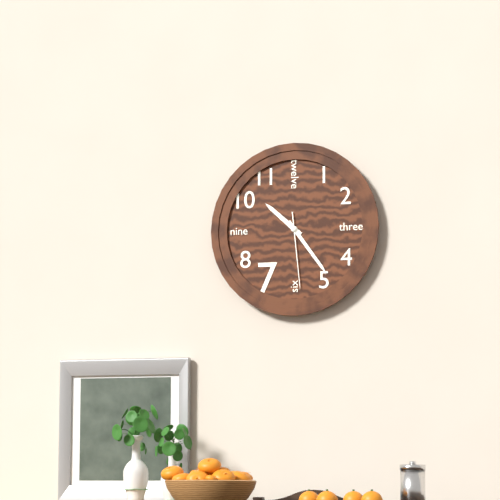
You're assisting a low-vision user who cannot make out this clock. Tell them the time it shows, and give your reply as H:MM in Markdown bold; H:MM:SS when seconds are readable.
**10:24:29**
